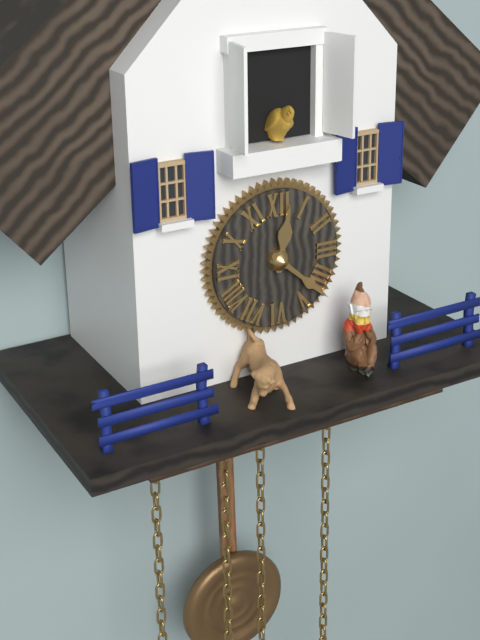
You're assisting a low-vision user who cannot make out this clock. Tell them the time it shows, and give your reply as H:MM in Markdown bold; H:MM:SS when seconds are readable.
**12:22**
